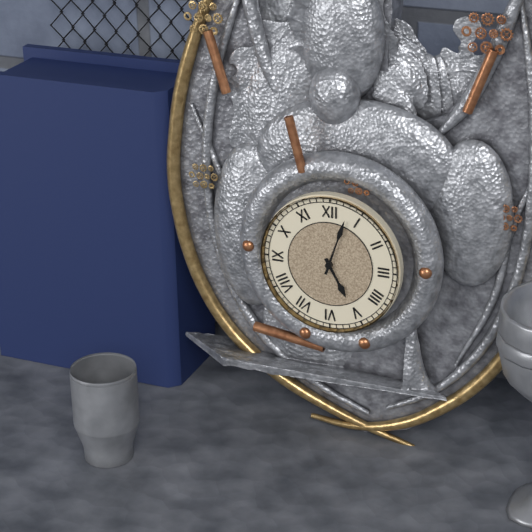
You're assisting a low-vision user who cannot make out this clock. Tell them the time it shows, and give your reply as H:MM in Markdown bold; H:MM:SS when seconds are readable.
**5:03**
